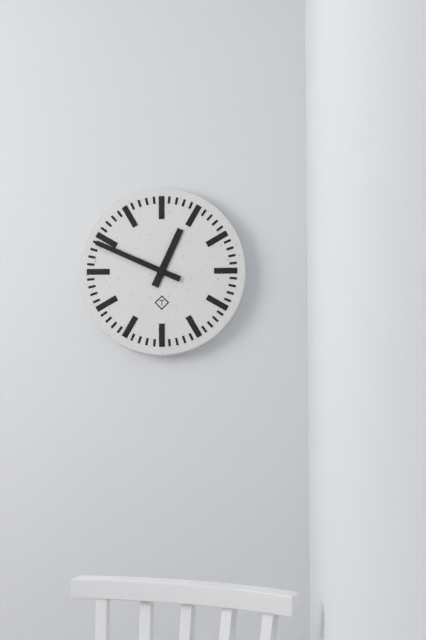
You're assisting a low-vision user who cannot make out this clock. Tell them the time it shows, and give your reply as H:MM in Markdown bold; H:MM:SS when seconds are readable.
**12:49**
